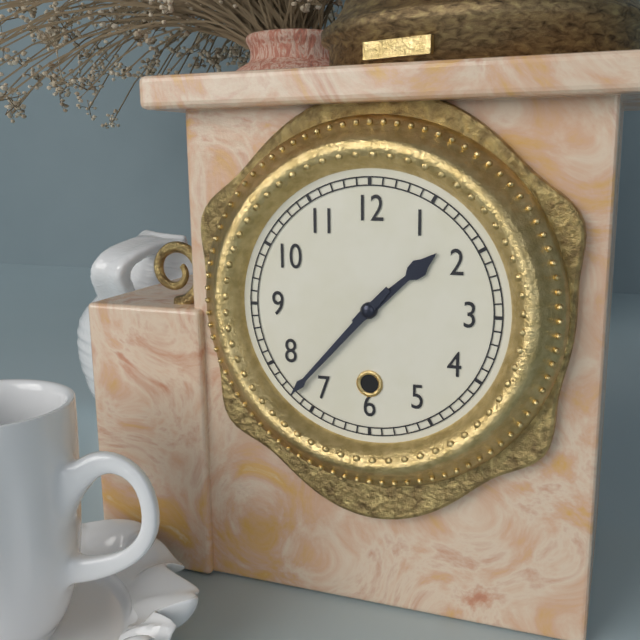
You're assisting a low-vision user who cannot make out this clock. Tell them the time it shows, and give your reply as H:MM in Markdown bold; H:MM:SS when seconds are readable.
**1:37**
